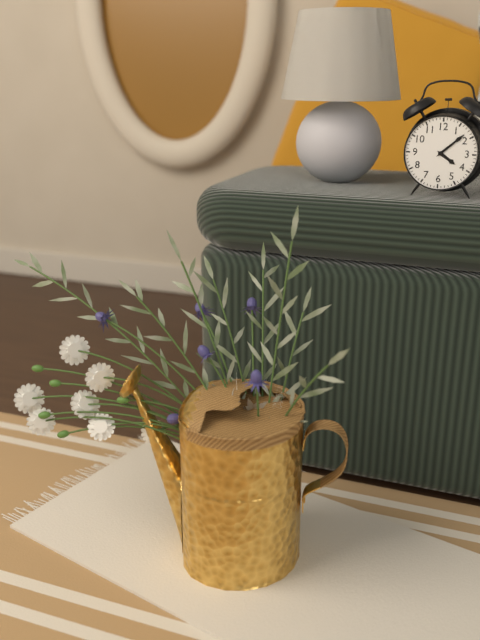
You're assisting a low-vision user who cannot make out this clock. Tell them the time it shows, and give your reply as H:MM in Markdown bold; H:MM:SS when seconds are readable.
**4:08**
